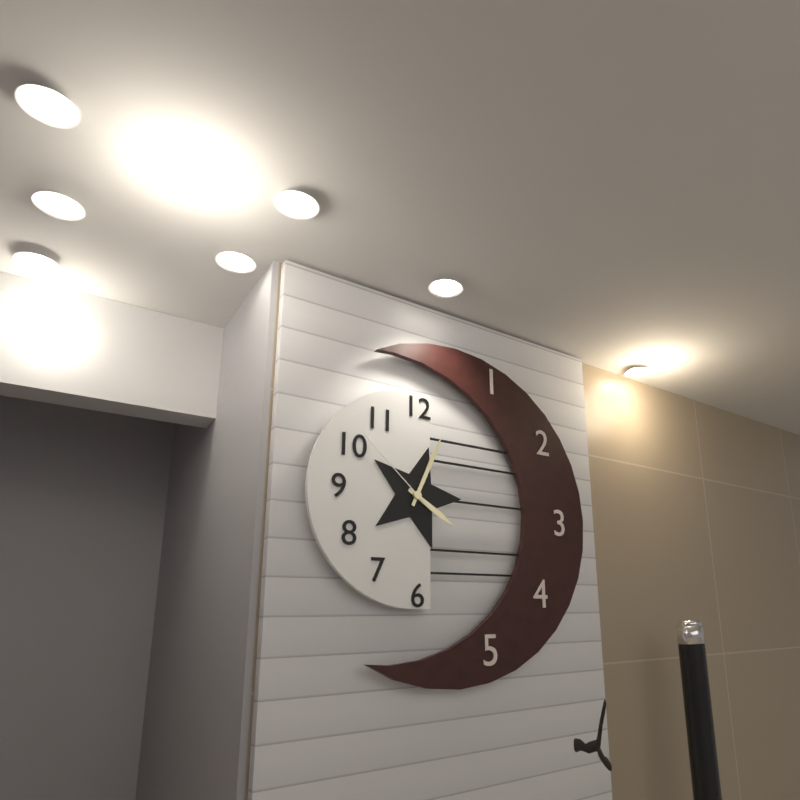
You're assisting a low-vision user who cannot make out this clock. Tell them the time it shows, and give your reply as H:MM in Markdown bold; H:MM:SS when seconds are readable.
**4:04:52**
